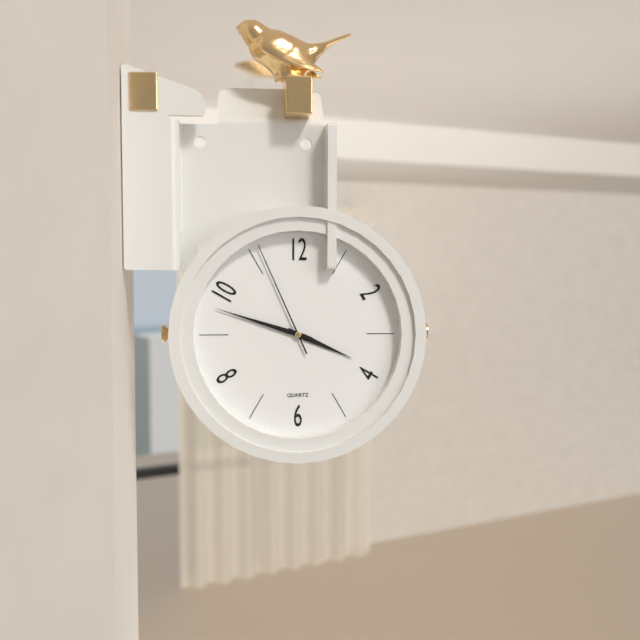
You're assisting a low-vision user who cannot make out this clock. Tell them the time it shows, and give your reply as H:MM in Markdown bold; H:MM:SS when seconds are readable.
**3:48:56**
